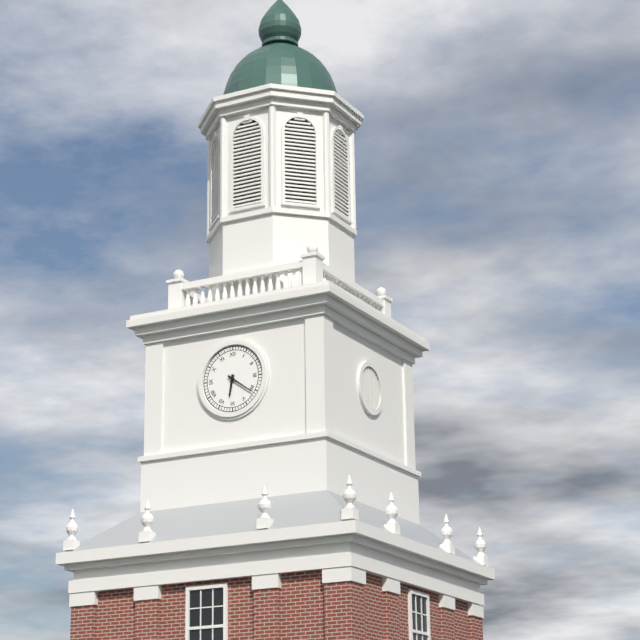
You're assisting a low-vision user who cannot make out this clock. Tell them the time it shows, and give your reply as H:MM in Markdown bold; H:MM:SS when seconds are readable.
**6:21**
